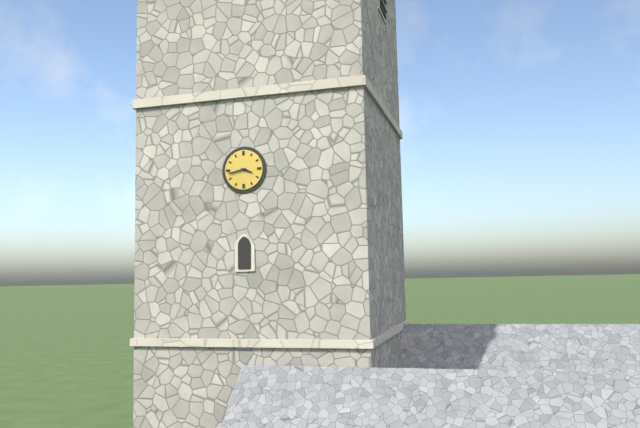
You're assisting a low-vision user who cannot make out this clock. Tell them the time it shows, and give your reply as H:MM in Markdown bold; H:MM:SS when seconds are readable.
**3:43**
